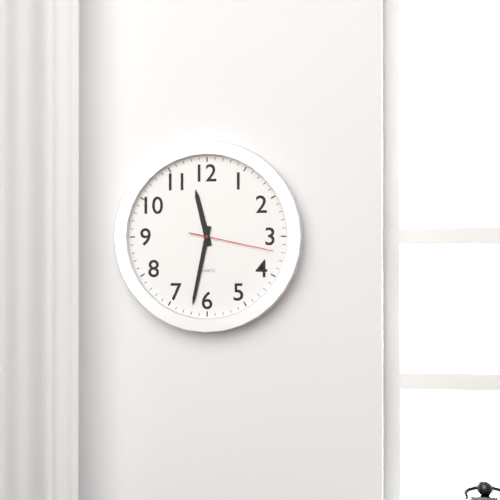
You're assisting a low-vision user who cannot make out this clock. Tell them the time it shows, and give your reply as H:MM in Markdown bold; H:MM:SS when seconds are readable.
**11:32:17**
